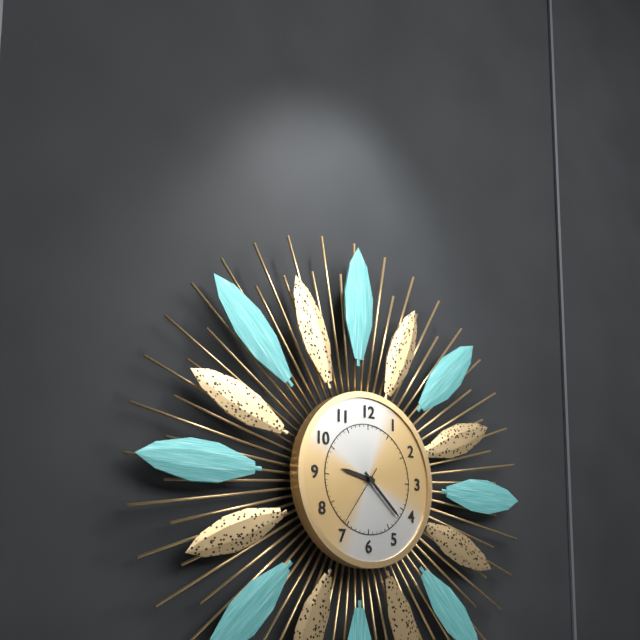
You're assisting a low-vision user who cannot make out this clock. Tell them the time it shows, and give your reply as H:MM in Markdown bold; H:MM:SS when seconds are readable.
**9:22**
